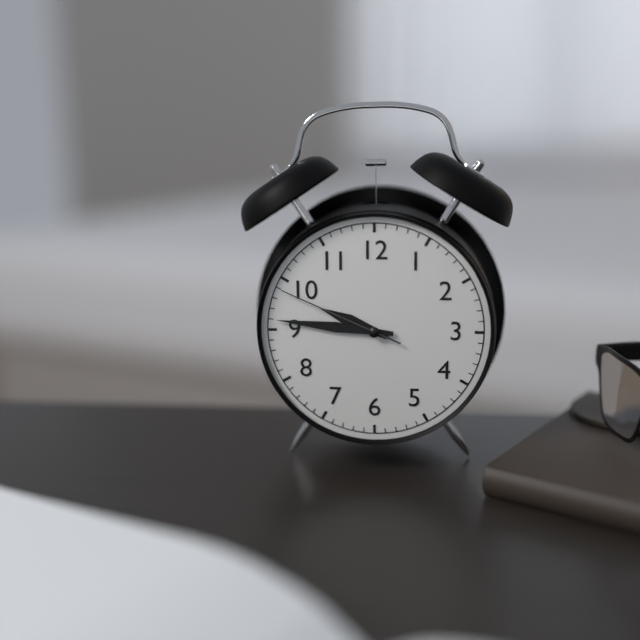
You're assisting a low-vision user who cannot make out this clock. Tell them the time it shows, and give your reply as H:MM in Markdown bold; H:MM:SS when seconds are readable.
**9:46:49**
